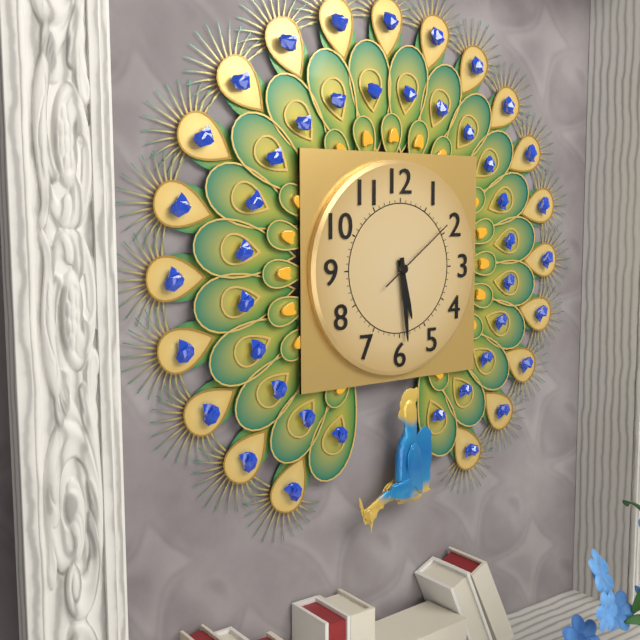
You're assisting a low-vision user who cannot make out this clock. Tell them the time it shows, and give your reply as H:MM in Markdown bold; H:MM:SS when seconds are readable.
**5:29:09**
